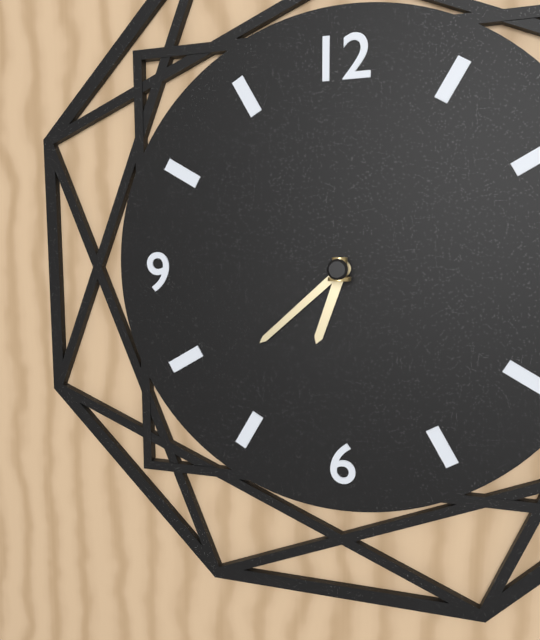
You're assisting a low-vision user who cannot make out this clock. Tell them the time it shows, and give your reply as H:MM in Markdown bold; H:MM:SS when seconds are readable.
**6:38**
